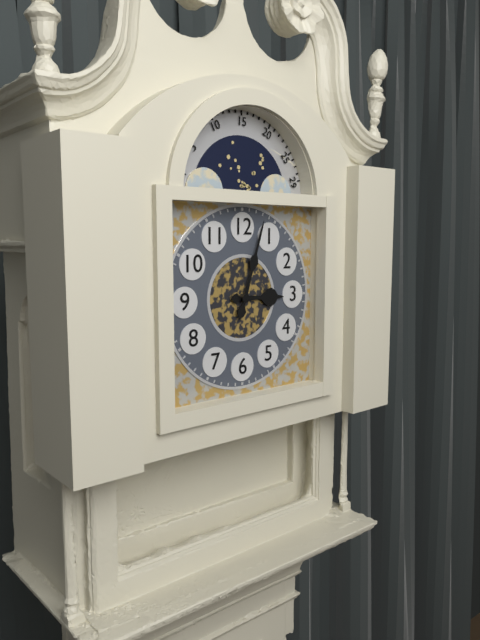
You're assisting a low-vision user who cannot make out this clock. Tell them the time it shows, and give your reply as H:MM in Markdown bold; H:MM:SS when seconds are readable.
**3:03**
